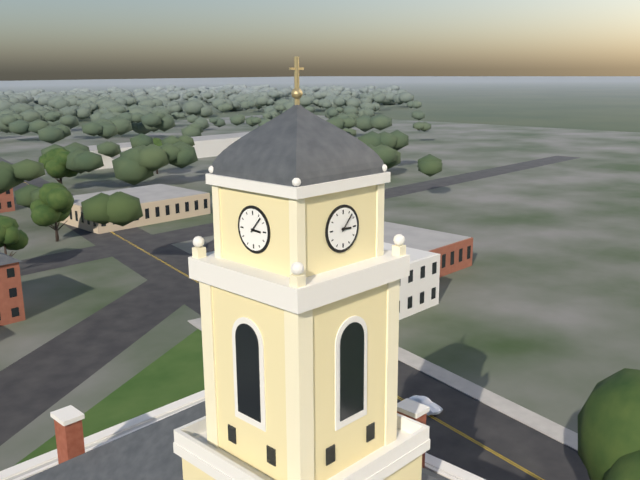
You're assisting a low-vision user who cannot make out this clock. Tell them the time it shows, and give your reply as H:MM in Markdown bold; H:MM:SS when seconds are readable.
**3:07**
